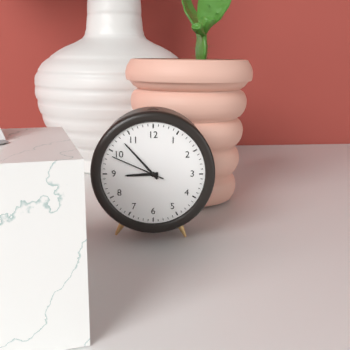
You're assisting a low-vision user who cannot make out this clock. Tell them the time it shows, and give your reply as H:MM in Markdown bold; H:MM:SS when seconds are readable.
**8:53:49**
